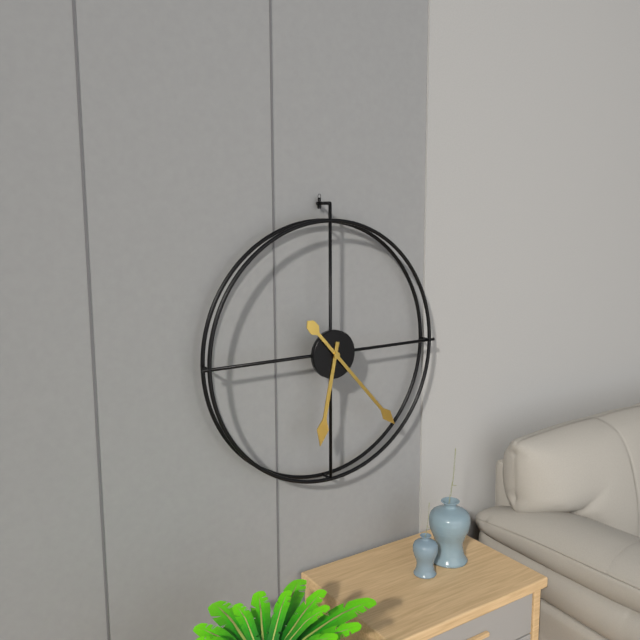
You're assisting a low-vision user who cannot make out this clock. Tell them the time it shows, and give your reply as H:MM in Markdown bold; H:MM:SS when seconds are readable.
**6:23**
